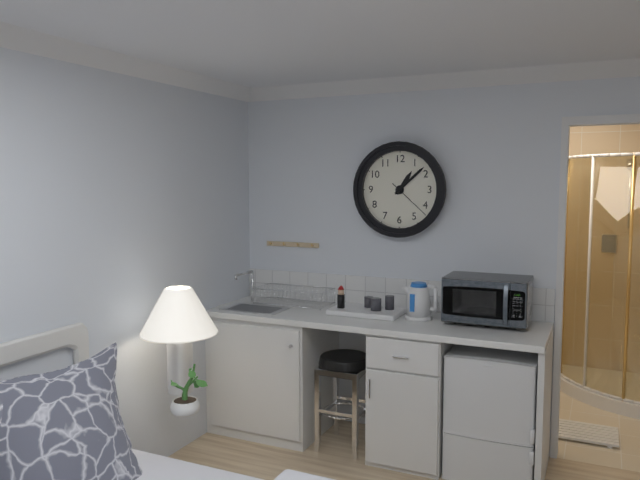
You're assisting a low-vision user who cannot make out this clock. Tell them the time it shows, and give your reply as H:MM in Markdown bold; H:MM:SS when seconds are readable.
**1:08**
